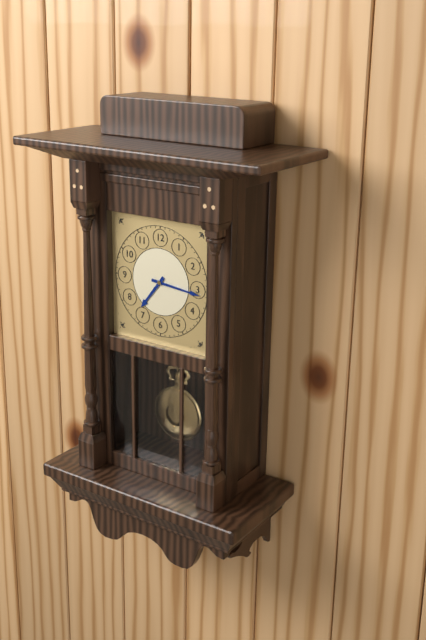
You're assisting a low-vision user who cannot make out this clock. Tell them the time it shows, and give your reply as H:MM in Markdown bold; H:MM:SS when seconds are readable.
**7:16**
